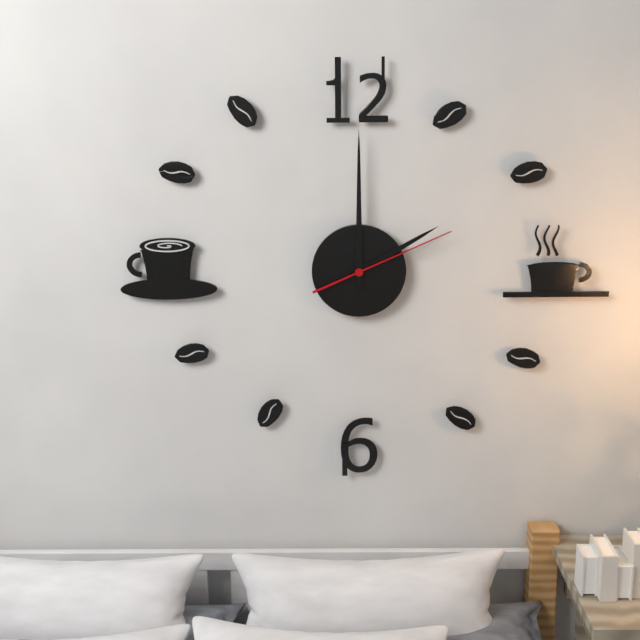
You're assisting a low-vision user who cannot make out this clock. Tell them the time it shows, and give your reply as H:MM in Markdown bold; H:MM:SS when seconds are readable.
**2:00:11**
